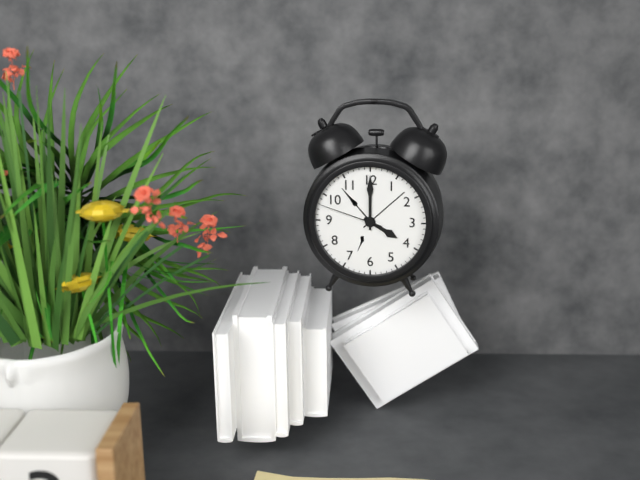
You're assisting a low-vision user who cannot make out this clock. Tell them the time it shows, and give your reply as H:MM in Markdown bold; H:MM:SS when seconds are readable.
**4:00:48**
